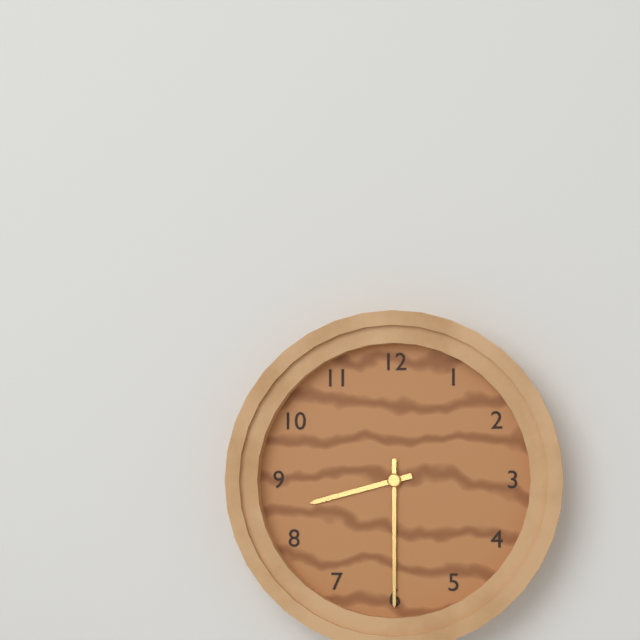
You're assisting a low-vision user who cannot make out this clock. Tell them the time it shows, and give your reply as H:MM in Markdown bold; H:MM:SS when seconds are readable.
**8:30**
